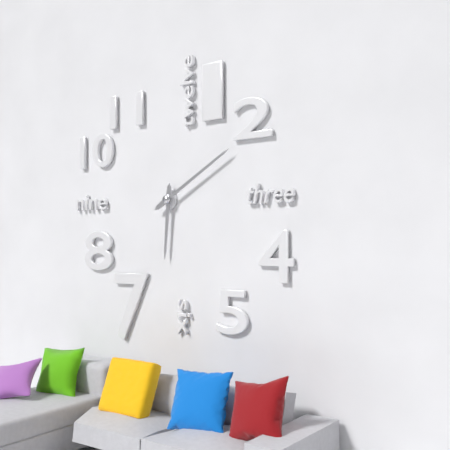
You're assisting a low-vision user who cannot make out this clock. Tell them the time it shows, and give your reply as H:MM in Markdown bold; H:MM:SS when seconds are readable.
**6:10**
